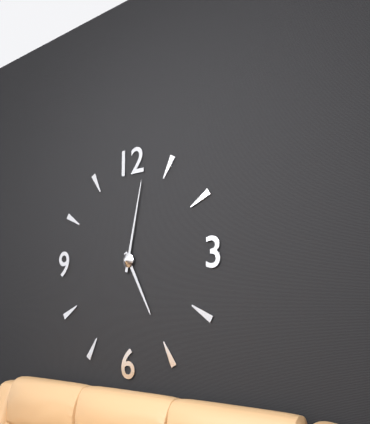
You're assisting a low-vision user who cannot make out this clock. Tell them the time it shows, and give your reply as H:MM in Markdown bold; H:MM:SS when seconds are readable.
**5:02**
